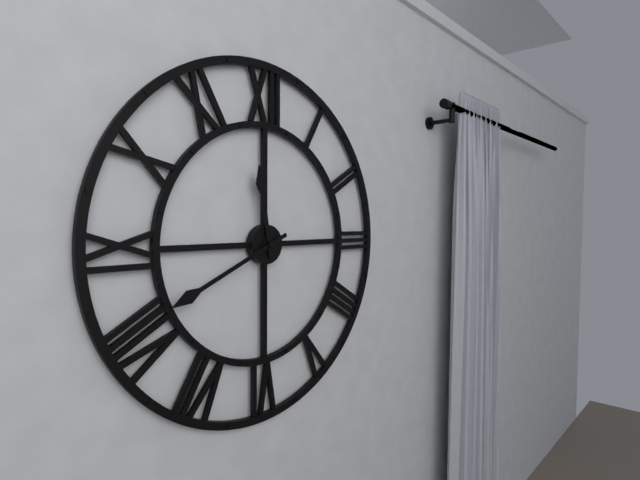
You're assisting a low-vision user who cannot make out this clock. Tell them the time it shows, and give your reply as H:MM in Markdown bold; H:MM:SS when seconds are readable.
**11:41**
